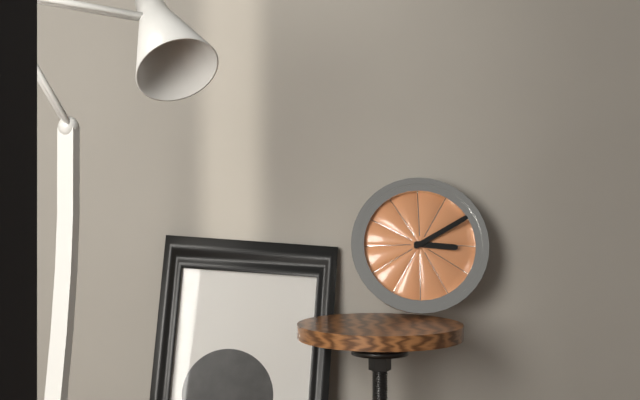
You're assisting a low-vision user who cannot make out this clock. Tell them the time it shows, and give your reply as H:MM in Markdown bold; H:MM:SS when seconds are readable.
**3:10**
